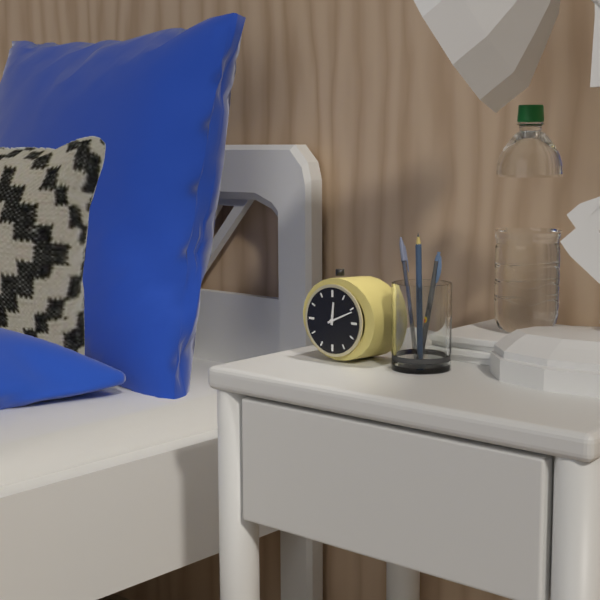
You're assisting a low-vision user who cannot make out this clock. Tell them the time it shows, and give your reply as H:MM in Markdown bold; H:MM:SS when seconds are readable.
**12:11**
